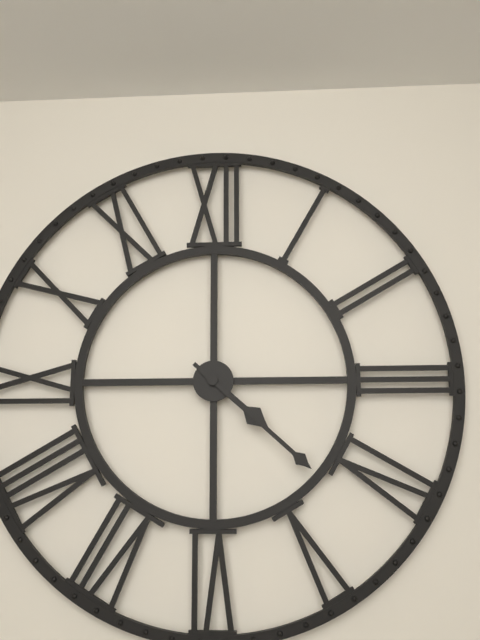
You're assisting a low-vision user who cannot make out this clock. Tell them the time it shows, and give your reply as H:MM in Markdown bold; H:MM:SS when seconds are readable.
**4:22**
